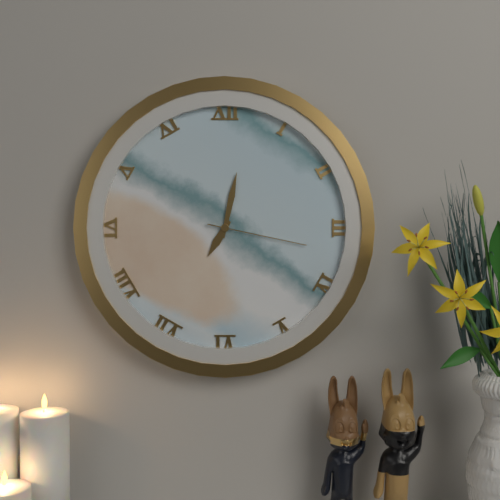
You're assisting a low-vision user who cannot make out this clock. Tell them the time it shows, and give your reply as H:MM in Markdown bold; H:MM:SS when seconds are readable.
**7:02:17**
